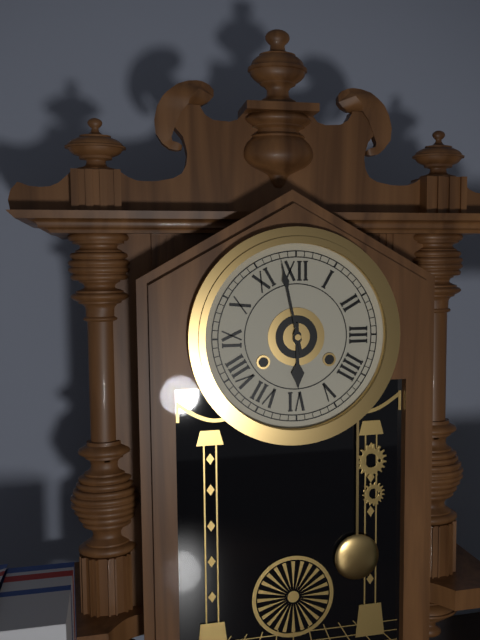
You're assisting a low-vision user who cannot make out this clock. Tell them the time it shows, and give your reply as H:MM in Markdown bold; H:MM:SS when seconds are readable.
**5:58**
